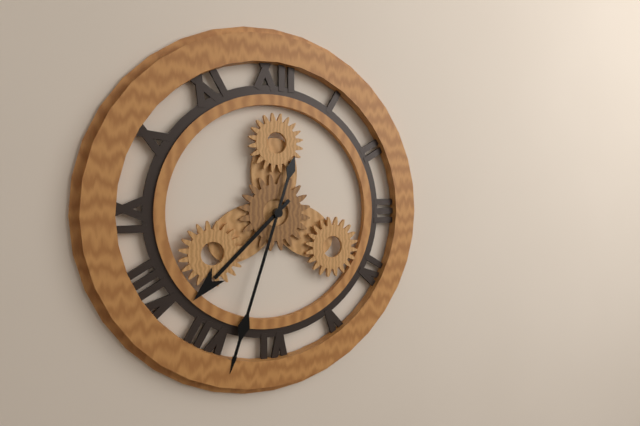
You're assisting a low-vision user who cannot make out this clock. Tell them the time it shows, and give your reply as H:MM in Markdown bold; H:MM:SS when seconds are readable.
**7:33**
